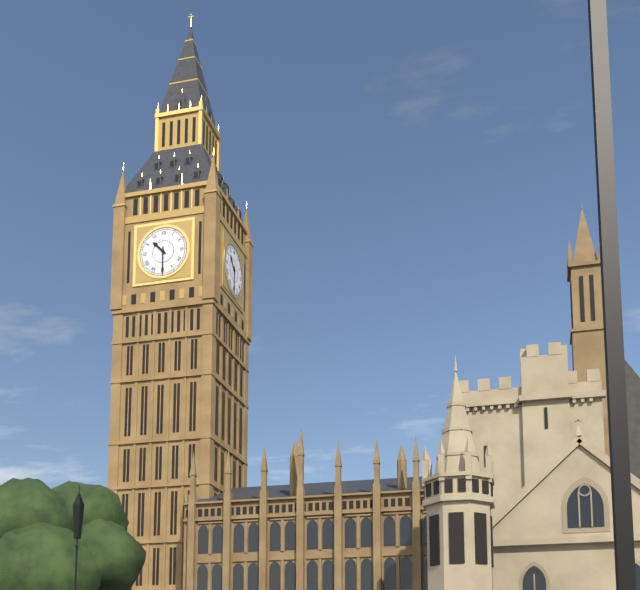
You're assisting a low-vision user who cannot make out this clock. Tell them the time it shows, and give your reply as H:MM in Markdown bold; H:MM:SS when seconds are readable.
**10:30**
